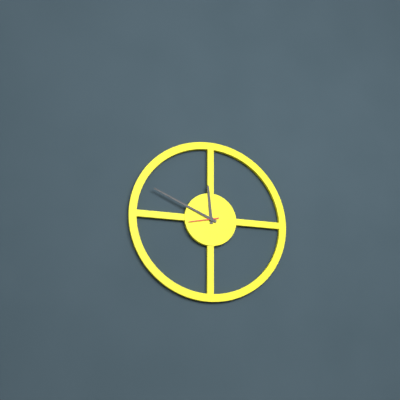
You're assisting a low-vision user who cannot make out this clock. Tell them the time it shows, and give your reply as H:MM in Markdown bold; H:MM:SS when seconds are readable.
**11:49**
